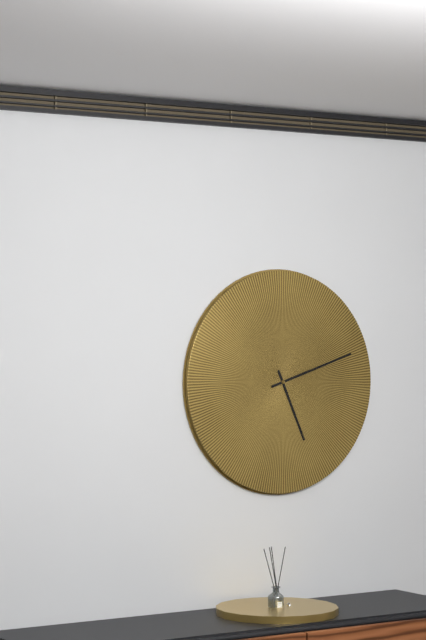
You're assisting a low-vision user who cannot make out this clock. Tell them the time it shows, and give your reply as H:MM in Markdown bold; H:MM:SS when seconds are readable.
**5:12**
